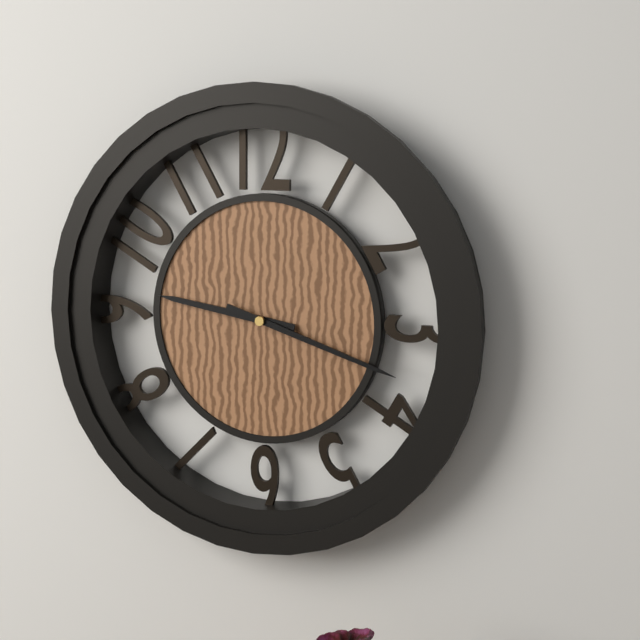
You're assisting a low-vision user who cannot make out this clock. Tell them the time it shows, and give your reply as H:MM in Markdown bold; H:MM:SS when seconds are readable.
**9:18**
